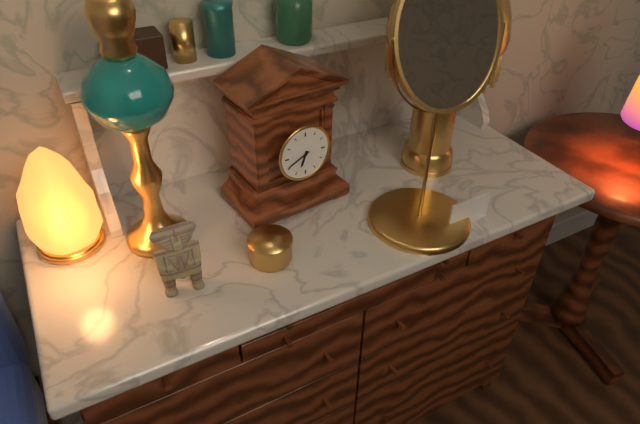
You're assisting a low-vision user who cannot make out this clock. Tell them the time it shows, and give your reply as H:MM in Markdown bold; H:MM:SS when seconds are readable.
**6:41**
